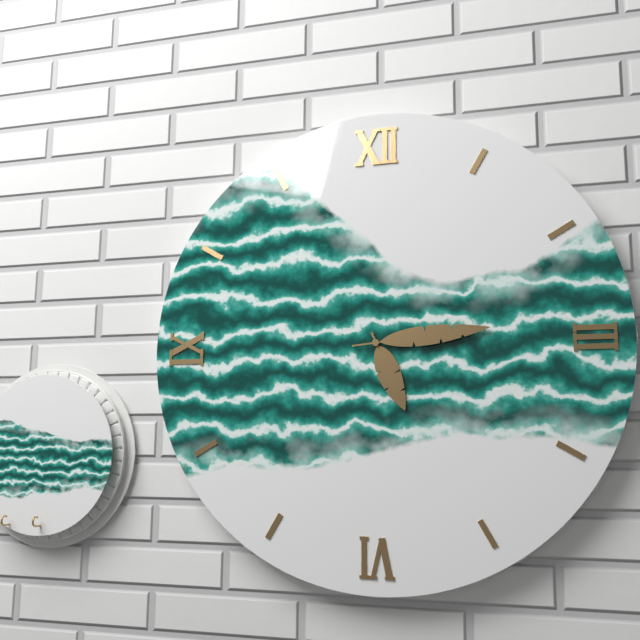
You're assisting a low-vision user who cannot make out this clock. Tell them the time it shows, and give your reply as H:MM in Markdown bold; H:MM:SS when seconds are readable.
**5:14**
